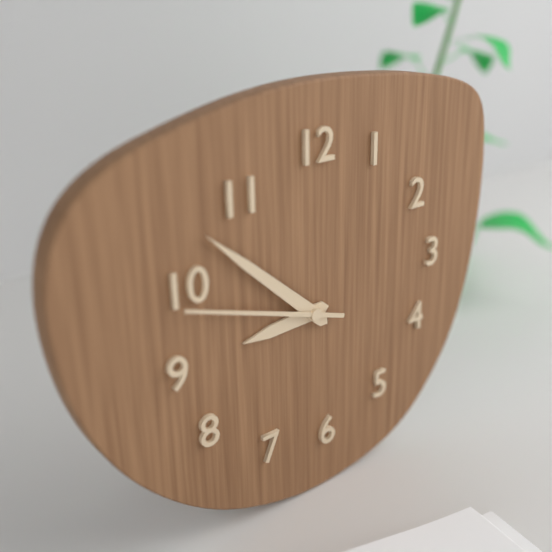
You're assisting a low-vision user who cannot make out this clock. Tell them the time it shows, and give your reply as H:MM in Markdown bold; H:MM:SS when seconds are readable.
**8:52:48**
